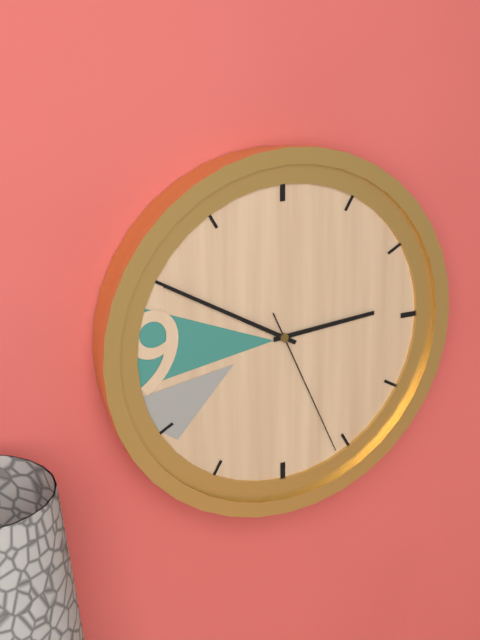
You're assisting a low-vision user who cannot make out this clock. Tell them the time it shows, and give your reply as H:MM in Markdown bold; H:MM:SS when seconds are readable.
**2:50:26**
